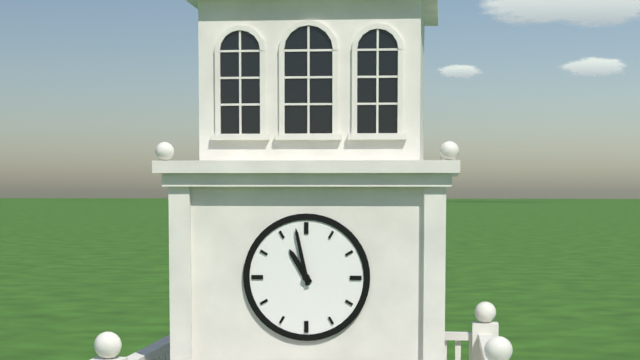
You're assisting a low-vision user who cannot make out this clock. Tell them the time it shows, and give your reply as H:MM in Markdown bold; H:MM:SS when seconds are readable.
**10:58**
